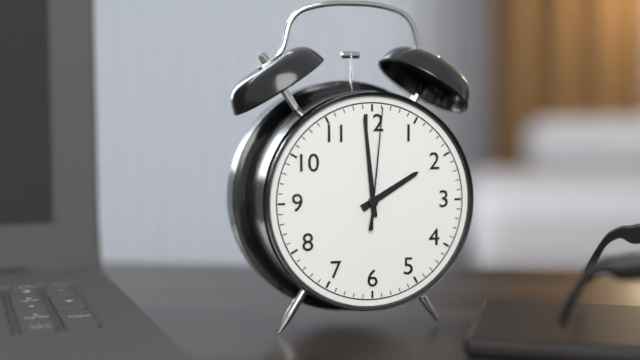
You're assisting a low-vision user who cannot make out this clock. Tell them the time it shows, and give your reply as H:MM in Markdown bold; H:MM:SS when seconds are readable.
**1:59:01**
